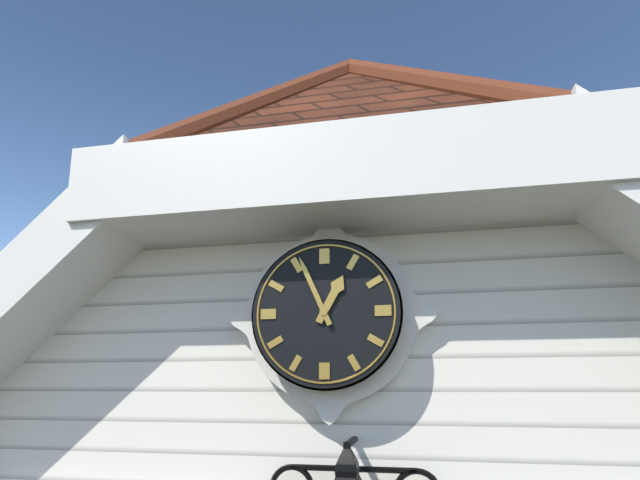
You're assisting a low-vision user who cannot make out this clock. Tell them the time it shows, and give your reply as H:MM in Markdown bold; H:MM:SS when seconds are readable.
**12:56**
